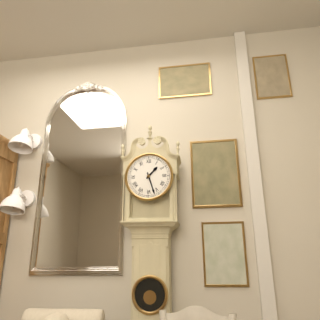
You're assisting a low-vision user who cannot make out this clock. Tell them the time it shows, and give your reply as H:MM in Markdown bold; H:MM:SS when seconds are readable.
**1:27**
